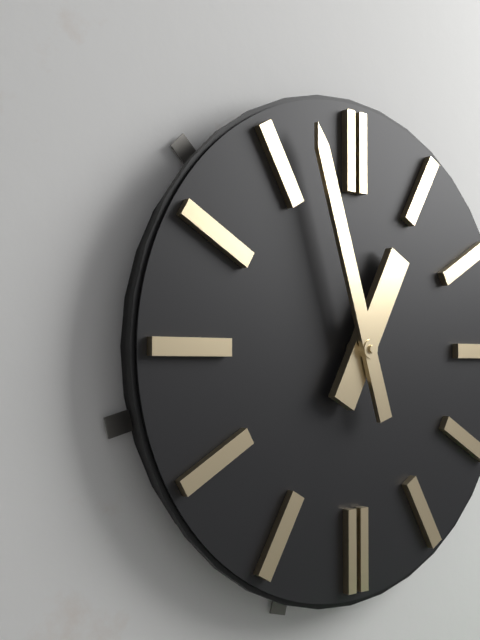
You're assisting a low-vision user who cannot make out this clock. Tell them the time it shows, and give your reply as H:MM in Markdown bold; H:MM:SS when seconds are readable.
**12:57**
